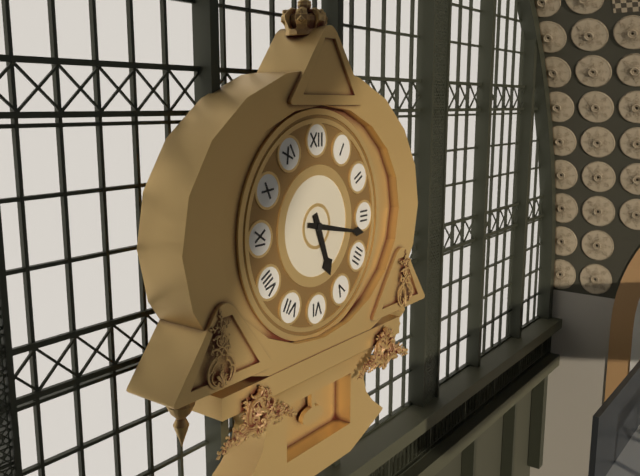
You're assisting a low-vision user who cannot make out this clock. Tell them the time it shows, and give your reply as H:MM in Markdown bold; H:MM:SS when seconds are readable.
**5:17**
